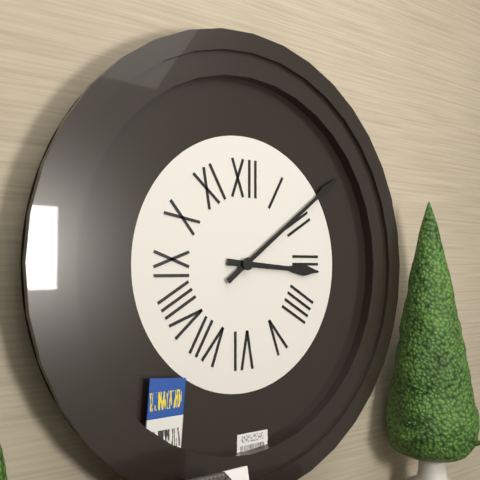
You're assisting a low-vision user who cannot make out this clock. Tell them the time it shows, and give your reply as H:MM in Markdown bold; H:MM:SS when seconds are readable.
**3:09**
